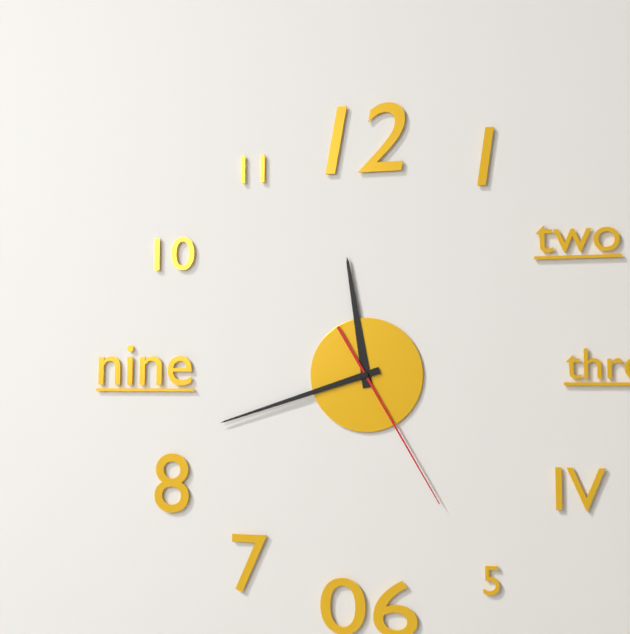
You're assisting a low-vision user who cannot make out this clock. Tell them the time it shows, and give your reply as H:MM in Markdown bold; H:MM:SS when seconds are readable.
**11:42:25**
